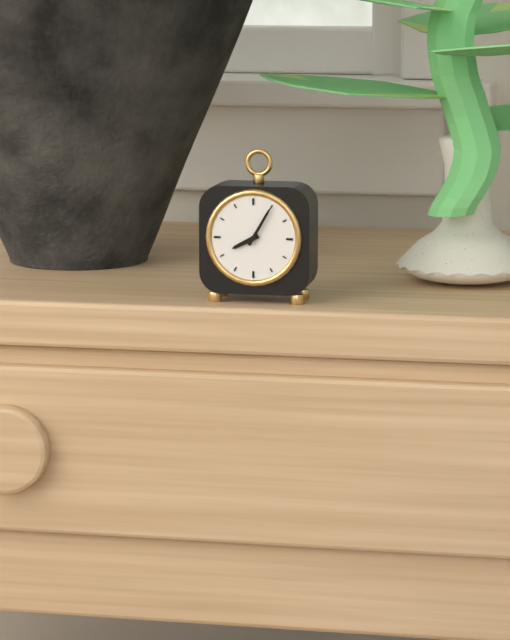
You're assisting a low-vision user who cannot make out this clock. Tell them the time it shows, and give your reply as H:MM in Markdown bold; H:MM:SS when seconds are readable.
**8:05**
